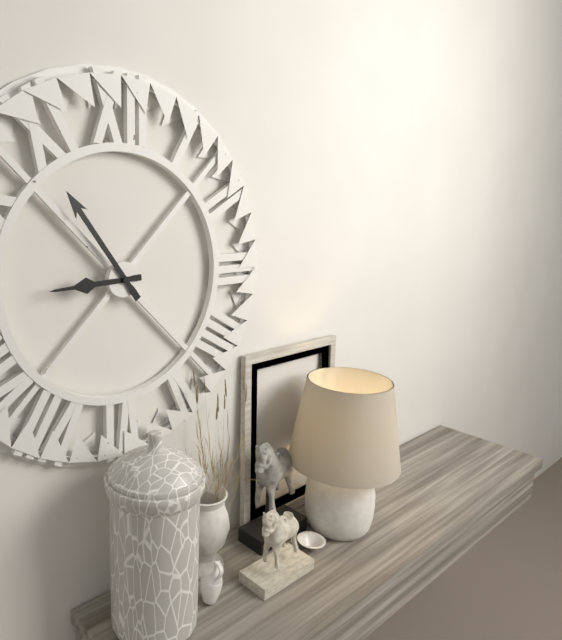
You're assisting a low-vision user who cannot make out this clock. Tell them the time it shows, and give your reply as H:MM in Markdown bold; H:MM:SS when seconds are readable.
**8:54**
